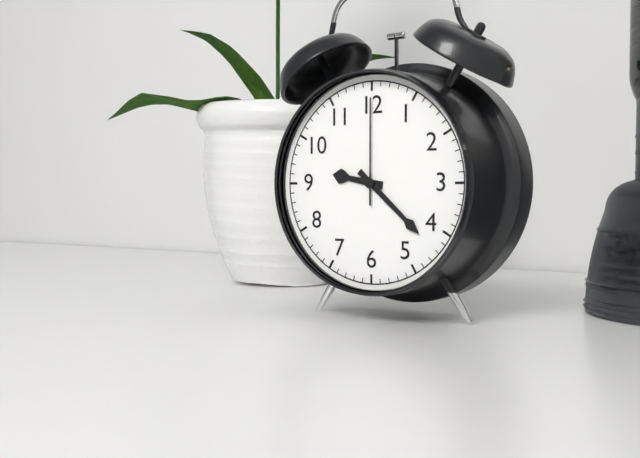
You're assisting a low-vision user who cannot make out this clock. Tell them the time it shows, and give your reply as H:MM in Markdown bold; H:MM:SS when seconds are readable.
**9:22:00**
